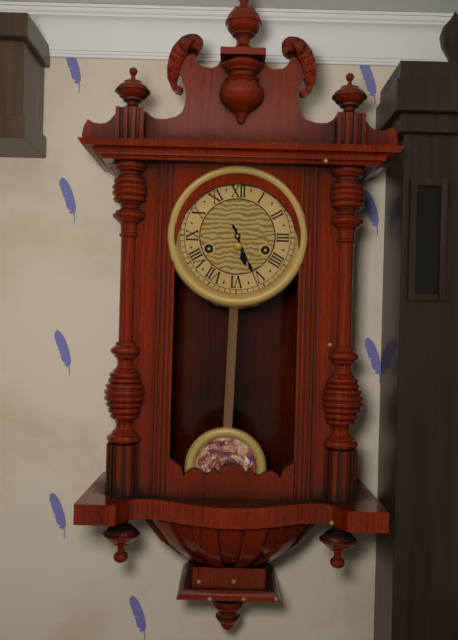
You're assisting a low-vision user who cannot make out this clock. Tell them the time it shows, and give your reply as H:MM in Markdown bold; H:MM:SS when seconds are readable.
**5:26**
